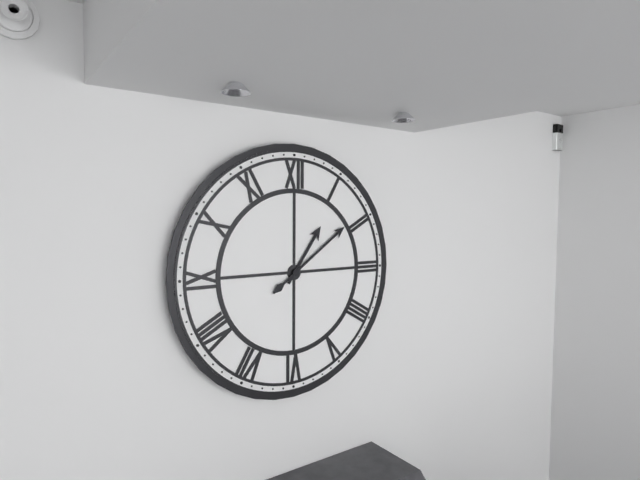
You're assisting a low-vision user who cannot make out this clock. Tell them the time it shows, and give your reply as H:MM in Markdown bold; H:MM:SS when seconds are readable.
**1:09**
